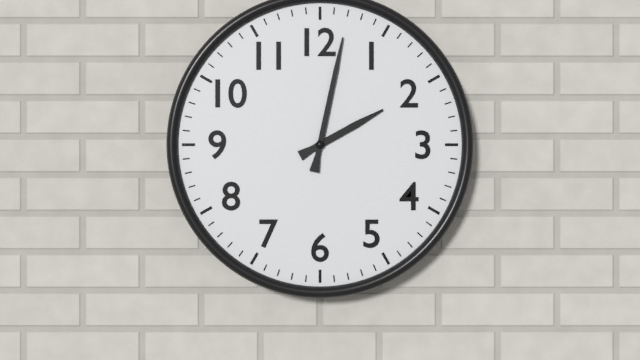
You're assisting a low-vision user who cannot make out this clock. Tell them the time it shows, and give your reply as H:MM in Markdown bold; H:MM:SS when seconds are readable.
**2:02**
